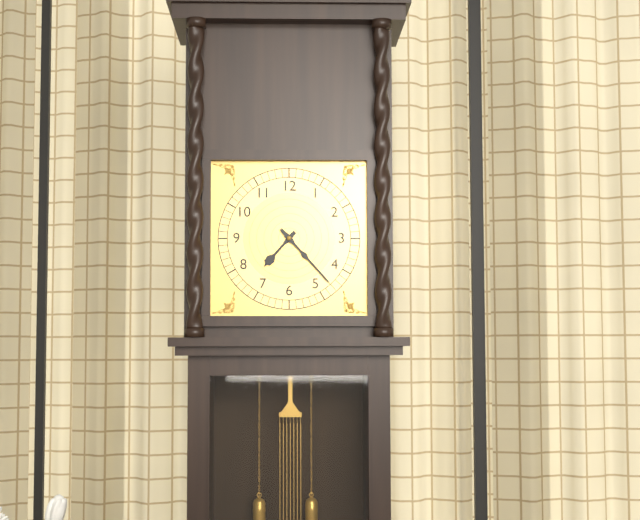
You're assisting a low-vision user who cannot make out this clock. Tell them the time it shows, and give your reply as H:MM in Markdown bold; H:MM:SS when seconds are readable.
**7:23**
